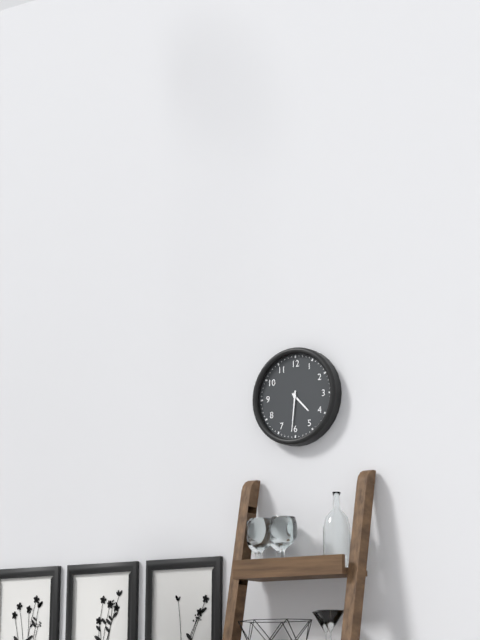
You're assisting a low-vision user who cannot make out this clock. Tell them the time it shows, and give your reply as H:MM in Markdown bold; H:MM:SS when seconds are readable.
**4:31**
